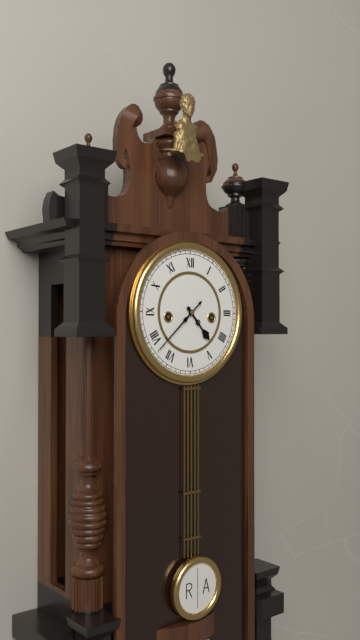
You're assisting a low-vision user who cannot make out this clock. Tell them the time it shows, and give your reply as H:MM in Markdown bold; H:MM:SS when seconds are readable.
**4:38**
